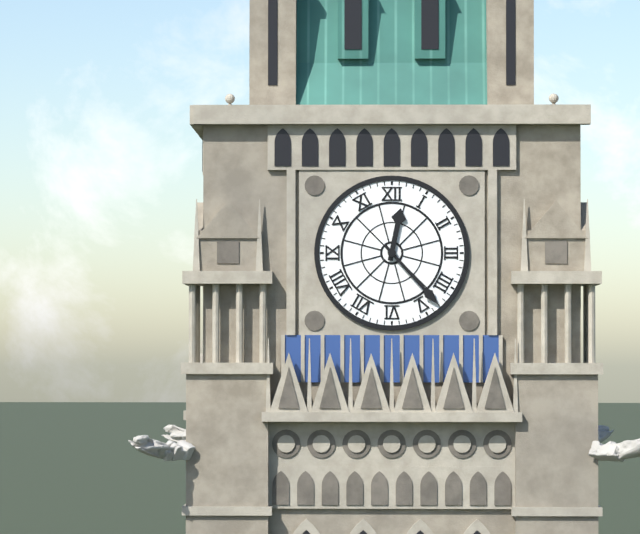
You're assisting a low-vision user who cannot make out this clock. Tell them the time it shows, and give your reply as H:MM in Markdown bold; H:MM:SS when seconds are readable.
**12:23**
